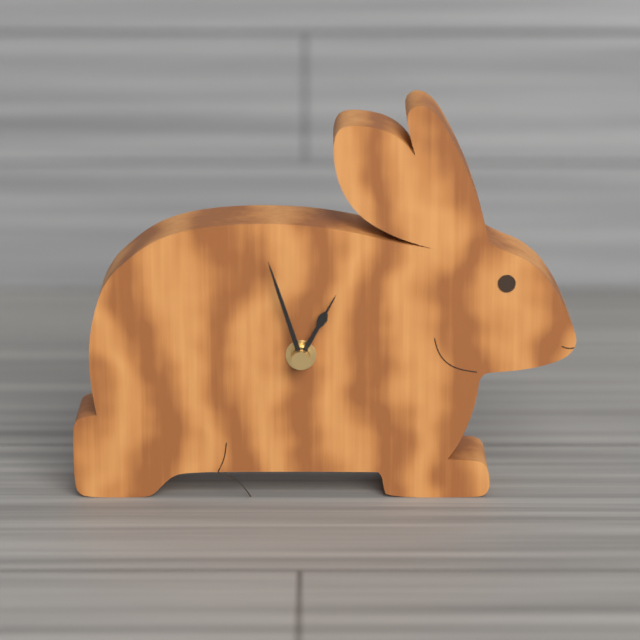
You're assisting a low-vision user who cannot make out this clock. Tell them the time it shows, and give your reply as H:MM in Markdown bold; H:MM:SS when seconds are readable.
**12:57**
